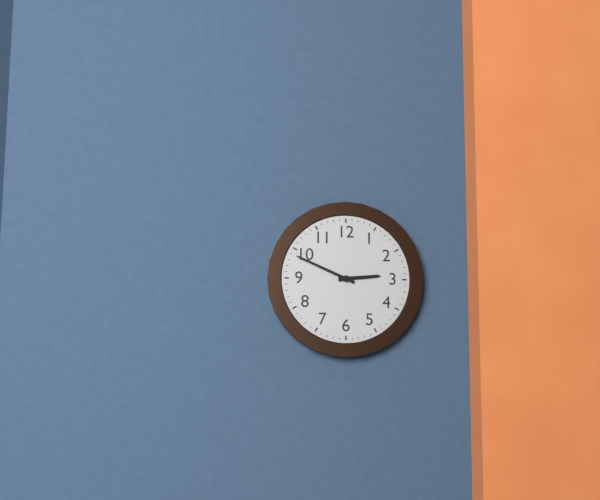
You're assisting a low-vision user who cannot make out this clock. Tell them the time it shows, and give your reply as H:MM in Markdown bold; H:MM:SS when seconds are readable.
**2:49**
